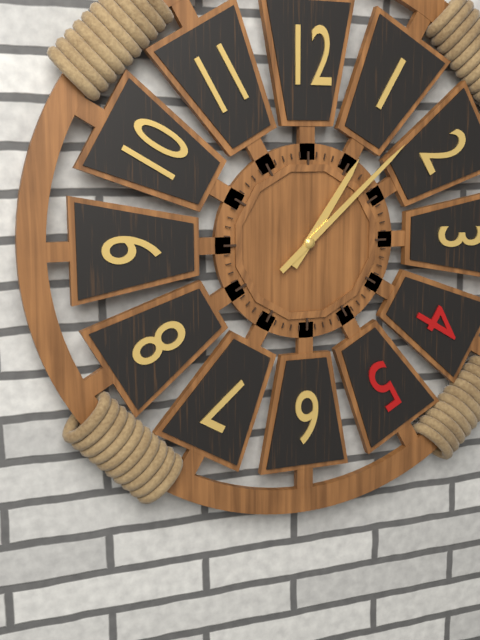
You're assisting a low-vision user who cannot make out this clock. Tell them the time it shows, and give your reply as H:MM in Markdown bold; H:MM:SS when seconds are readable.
**1:08**
